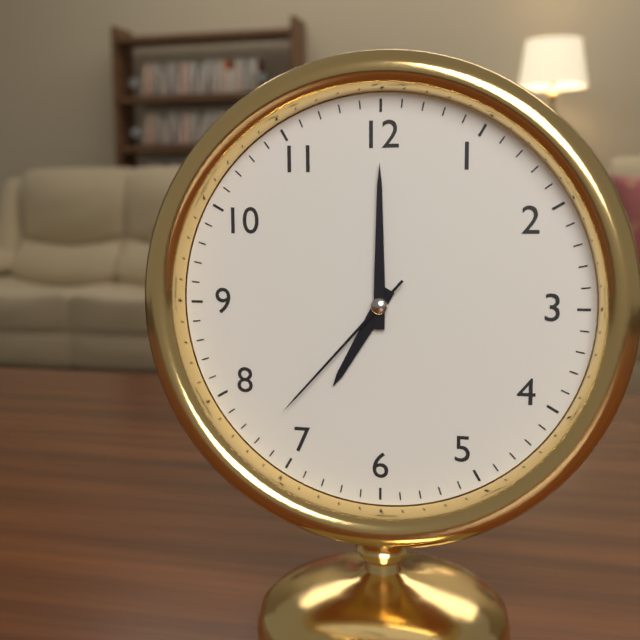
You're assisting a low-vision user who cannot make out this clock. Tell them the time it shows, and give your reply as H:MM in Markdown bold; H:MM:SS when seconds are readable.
**7:00:37**
